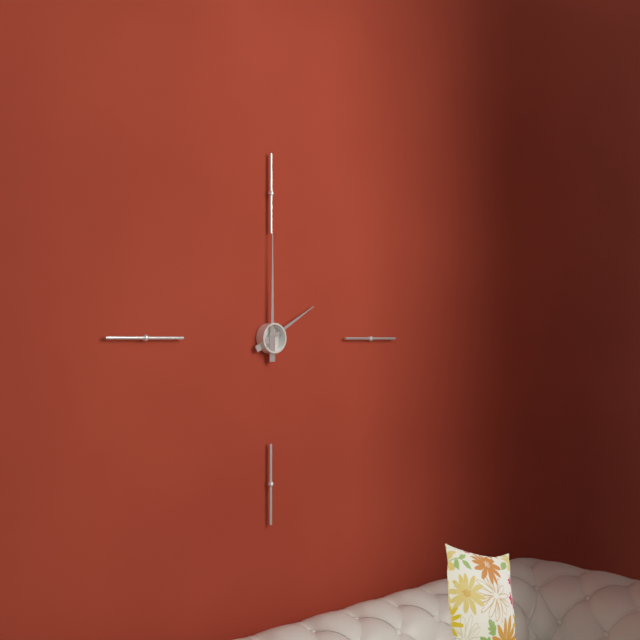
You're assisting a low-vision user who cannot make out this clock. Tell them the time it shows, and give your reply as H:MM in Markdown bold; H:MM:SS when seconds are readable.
**2:00**
